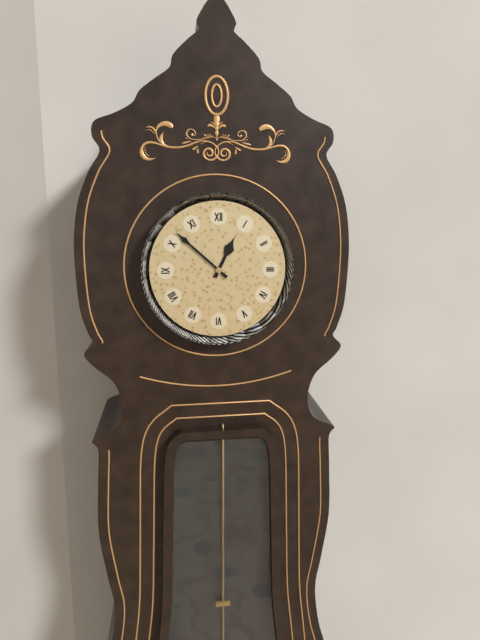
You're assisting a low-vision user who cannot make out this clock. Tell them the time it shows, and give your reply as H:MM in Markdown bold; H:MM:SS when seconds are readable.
**12:52**
